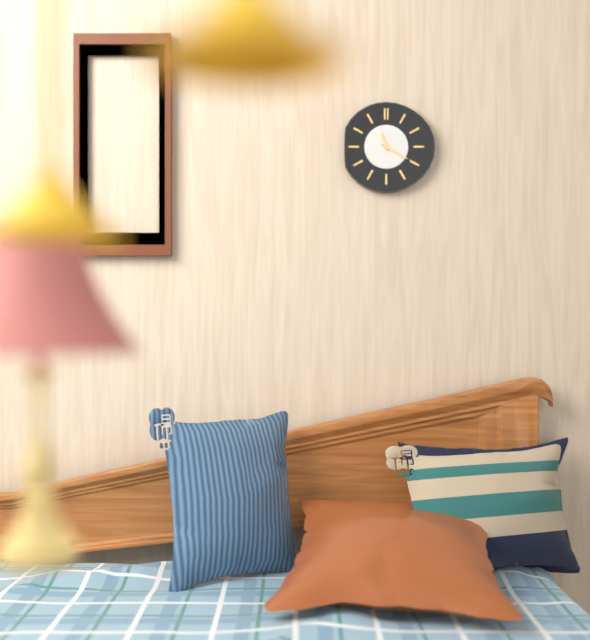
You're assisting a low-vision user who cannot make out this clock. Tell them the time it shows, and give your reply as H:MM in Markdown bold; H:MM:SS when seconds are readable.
**11:20**
